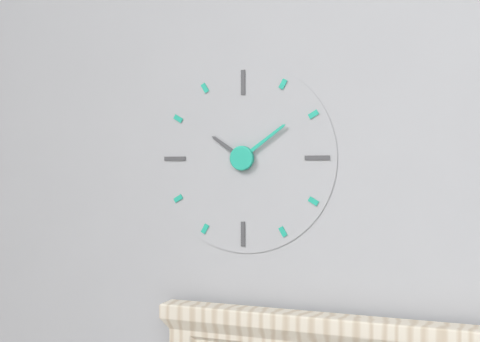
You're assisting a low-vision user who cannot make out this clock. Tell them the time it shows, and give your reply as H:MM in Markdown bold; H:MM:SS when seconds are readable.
**10:09**
